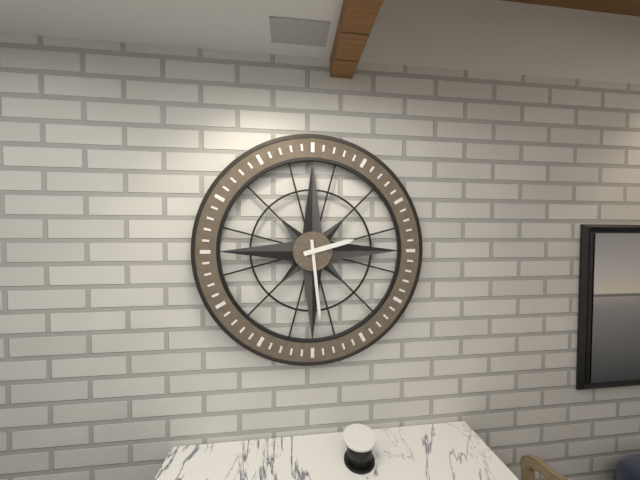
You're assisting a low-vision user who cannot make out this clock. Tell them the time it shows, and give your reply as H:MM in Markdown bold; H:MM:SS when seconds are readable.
**2:29**
